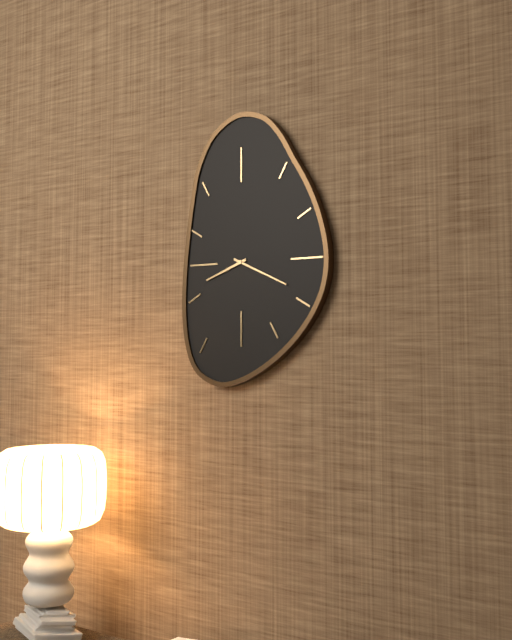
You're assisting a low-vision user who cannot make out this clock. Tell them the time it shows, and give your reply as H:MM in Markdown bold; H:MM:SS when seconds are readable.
**8:19**
